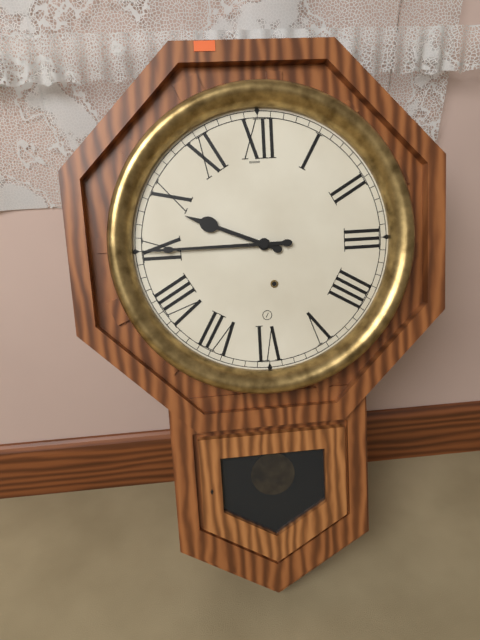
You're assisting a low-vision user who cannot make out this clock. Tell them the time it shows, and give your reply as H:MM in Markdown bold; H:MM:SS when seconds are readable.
**9:45**
